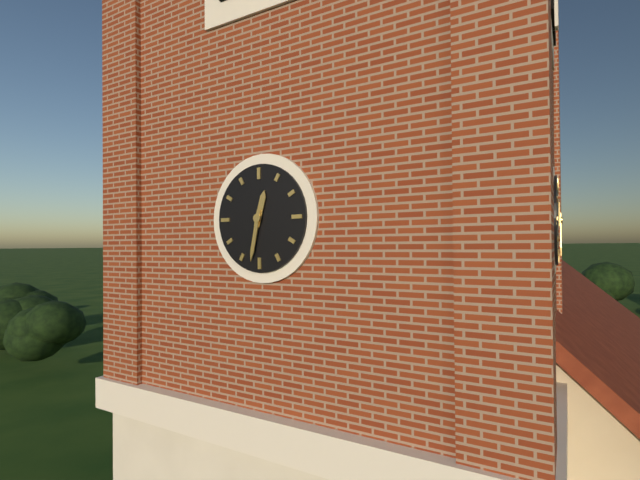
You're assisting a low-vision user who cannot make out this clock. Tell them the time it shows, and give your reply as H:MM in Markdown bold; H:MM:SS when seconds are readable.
**12:32**
